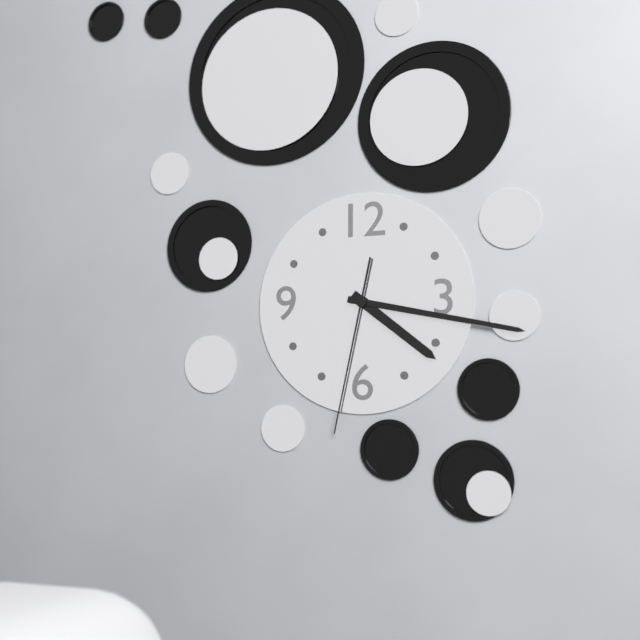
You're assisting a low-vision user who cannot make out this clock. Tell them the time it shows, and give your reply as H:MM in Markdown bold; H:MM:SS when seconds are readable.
**4:17:32**
